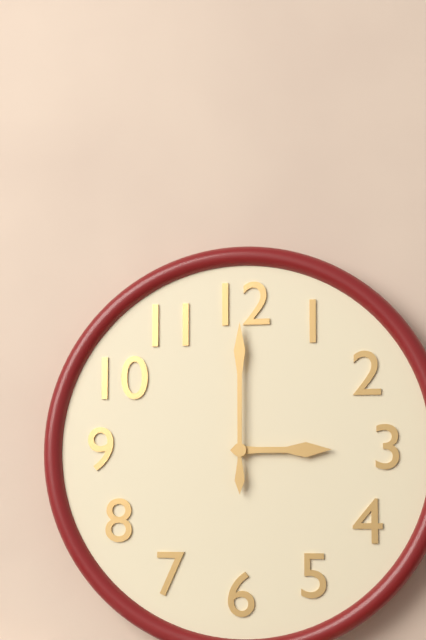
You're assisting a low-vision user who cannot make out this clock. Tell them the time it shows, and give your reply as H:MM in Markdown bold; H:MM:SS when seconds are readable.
**3:00**
